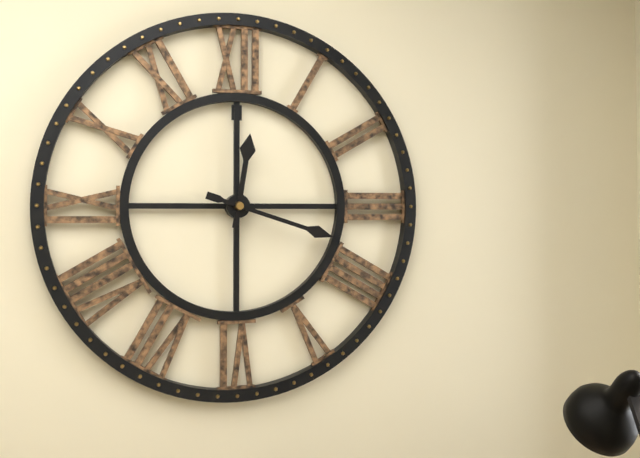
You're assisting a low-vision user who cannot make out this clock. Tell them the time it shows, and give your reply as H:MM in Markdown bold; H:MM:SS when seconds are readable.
**12:18**
